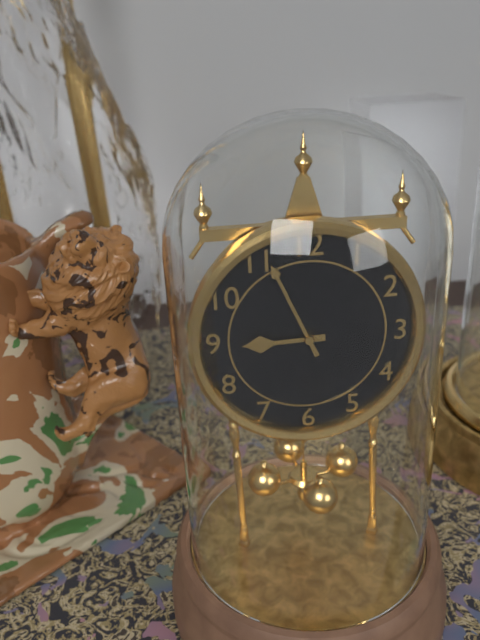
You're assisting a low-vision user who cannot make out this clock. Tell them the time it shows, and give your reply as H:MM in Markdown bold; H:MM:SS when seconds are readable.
**8:56**
